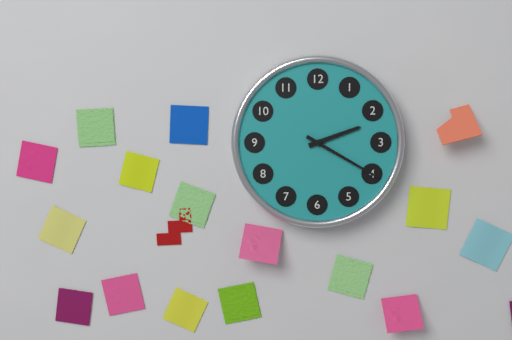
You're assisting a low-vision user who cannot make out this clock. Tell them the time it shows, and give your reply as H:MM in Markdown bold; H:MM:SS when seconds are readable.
**2:20**
